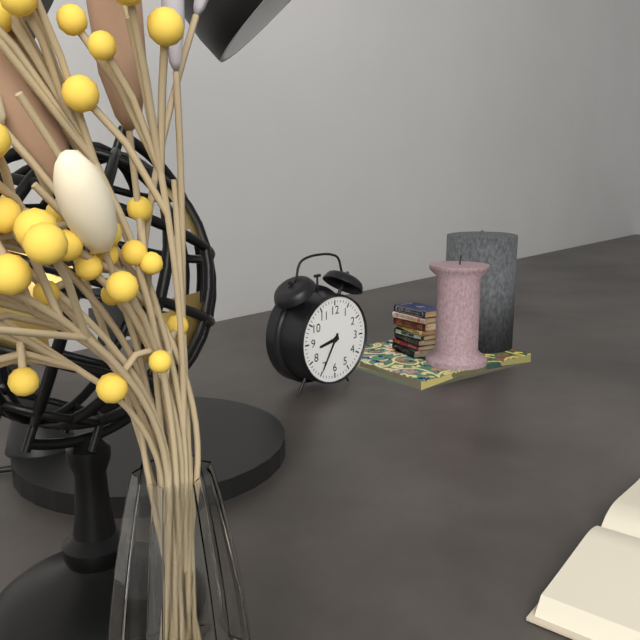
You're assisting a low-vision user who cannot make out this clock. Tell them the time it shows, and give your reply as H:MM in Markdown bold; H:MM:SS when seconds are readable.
**8:35**
